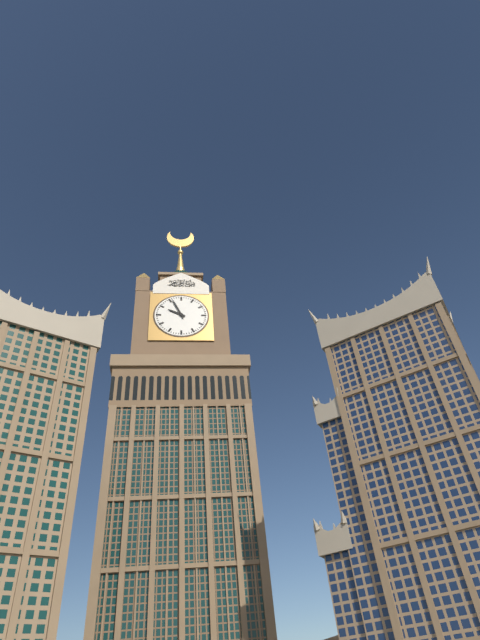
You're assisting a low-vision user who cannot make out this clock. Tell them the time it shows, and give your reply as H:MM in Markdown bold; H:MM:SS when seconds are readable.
**9:56**
